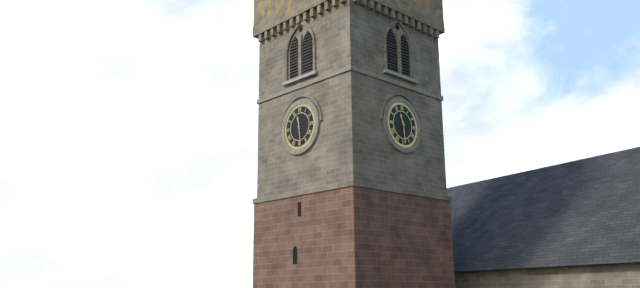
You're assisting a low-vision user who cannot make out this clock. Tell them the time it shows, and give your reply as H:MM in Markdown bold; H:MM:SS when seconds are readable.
**11:29**
